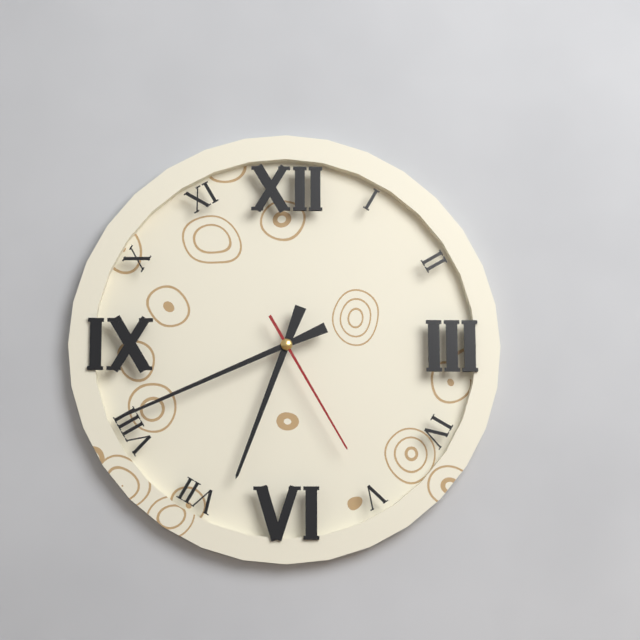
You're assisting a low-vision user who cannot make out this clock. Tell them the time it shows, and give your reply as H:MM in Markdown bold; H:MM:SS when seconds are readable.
**6:41:25**
